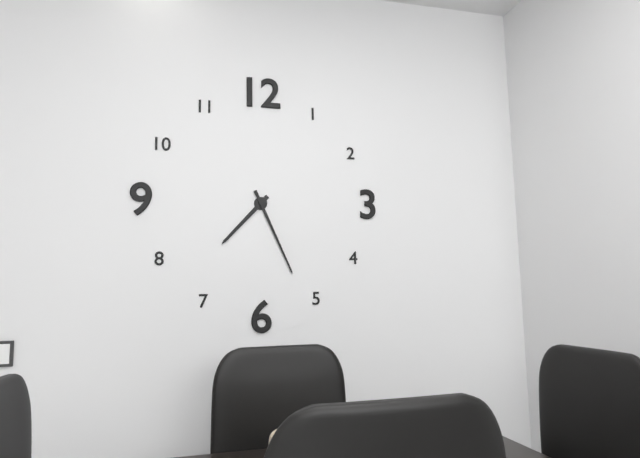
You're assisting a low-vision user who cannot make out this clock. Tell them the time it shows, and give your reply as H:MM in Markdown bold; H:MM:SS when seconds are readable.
**7:26**
